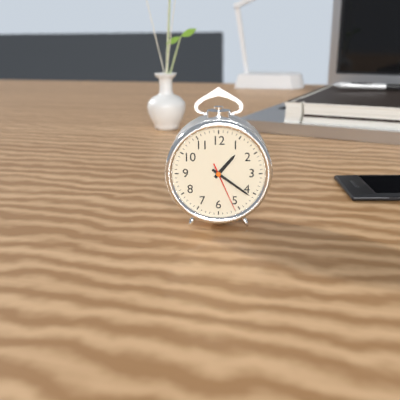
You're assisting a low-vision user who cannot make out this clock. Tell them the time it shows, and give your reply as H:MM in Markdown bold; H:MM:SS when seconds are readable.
**1:21:26**
